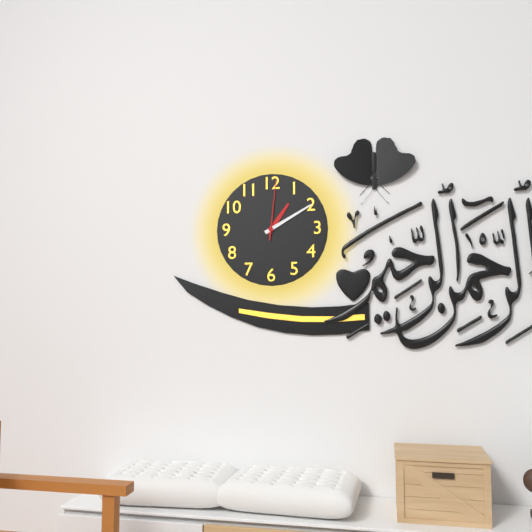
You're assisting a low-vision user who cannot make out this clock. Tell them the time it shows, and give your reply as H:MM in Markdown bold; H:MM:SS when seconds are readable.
**1:10:01**
